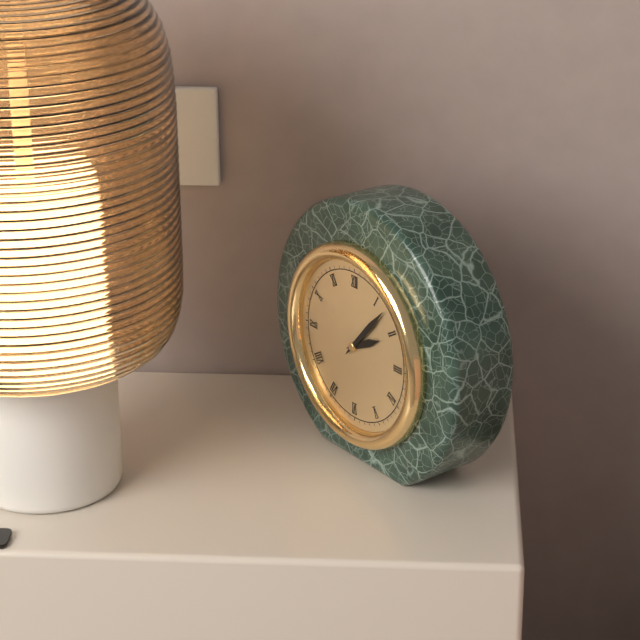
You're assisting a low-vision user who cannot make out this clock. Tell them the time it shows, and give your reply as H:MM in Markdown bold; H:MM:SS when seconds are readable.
**2:07**
